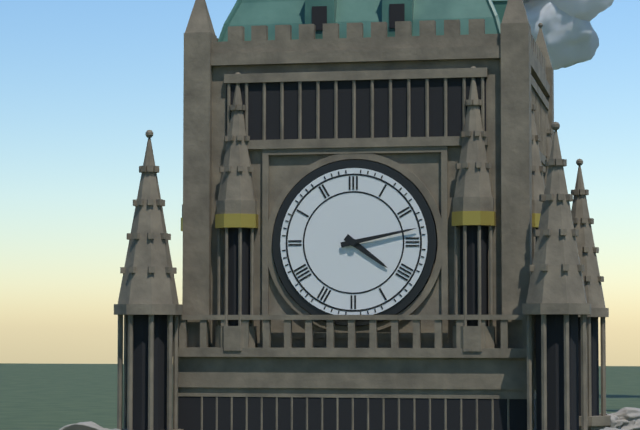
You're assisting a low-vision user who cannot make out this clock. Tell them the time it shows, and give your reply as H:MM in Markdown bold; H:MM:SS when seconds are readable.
**4:13**
